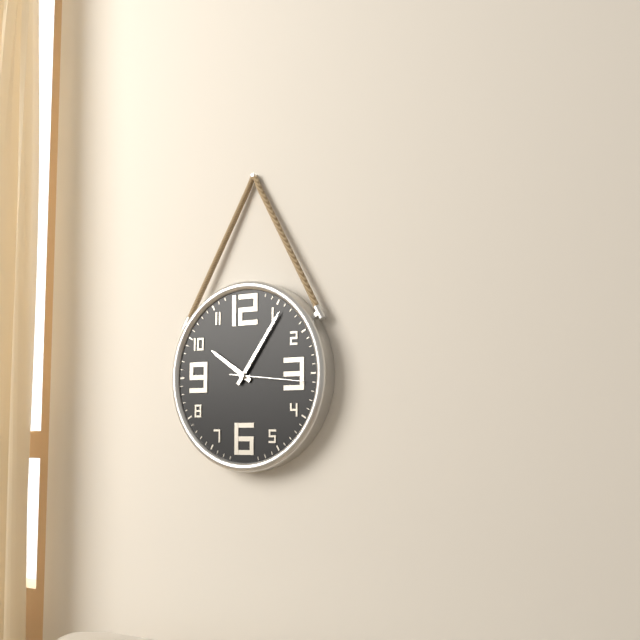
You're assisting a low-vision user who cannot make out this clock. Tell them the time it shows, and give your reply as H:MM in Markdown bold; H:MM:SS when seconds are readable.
**10:06:16**
